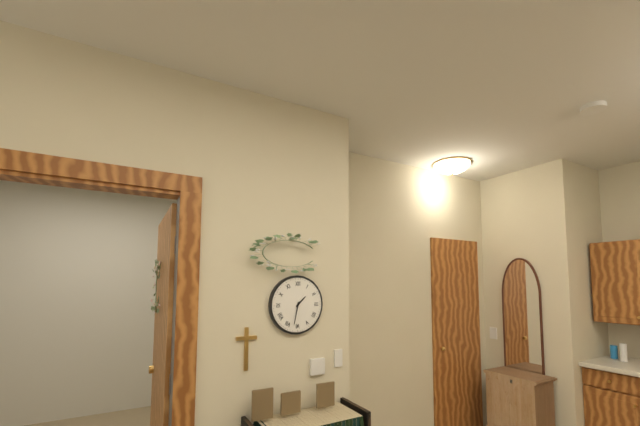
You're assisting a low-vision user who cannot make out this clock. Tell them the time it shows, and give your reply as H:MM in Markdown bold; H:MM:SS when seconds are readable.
**1:32**
